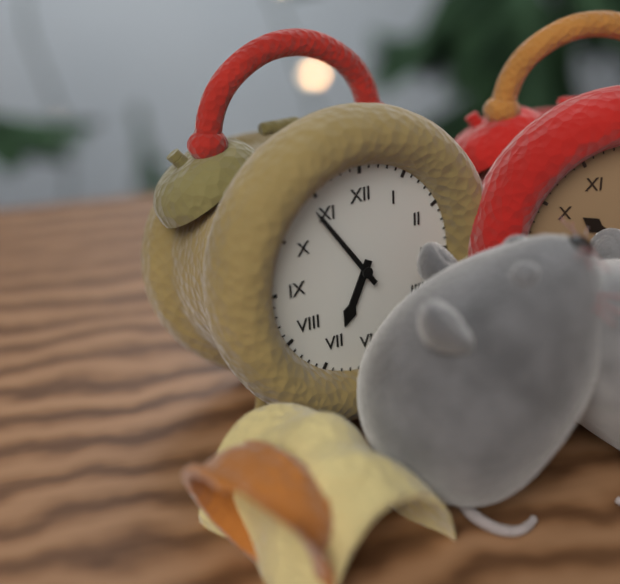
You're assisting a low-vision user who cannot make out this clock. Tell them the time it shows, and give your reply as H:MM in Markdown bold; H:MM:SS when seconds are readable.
**6:54**
